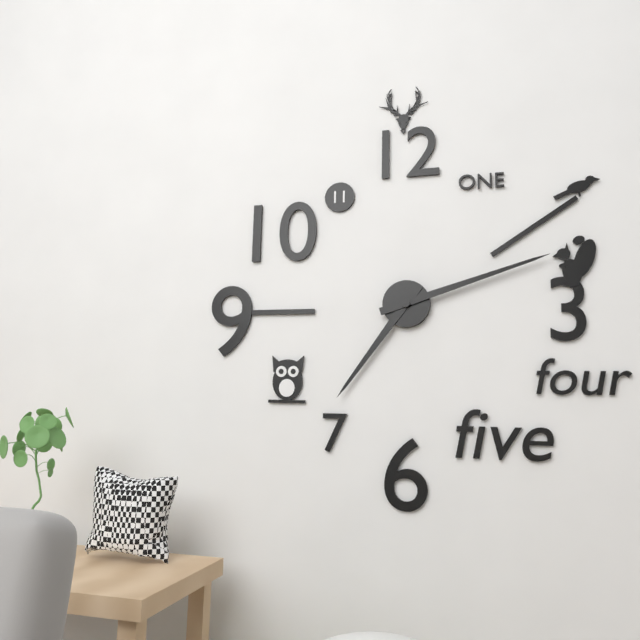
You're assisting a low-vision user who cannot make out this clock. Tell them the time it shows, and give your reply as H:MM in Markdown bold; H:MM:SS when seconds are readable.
**7:12**
